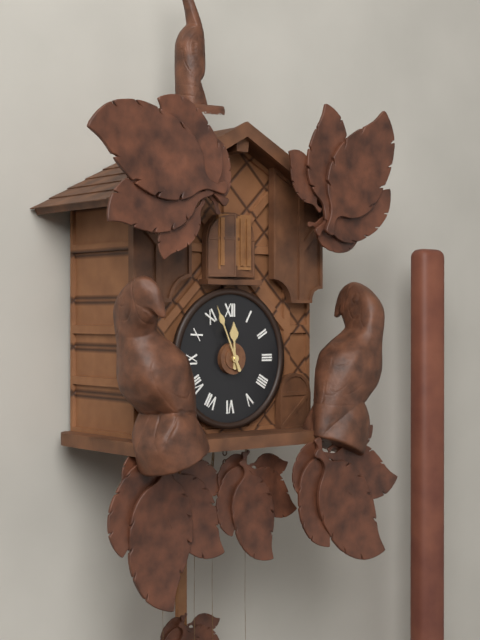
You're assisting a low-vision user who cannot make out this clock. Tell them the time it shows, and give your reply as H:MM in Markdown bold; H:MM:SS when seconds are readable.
**11:56**
